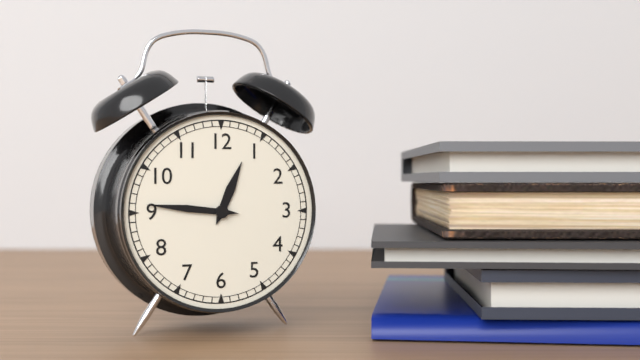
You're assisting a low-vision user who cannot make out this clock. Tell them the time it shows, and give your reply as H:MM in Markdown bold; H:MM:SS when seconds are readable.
**12:46**
